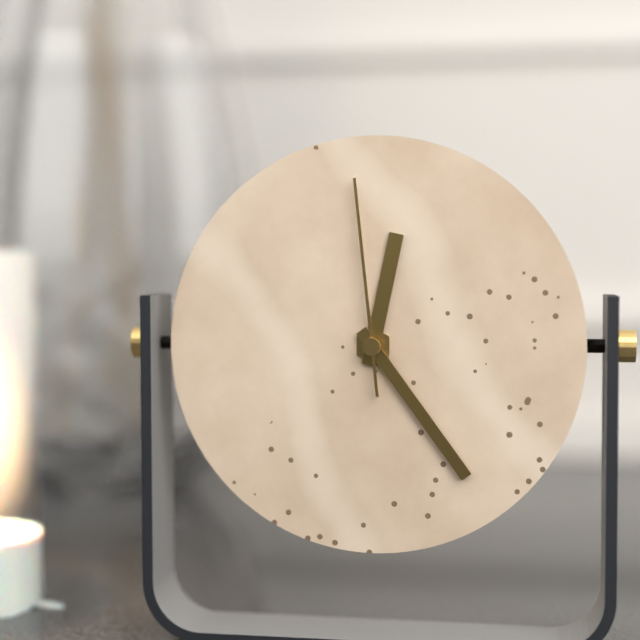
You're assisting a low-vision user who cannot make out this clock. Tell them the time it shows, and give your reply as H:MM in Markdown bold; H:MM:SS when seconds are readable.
**12:24:59**
